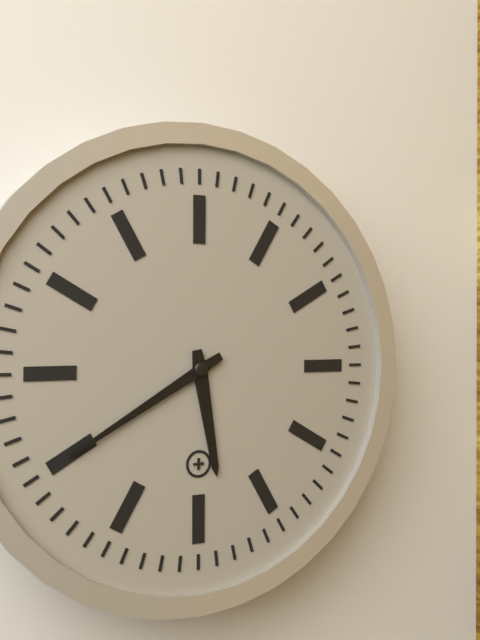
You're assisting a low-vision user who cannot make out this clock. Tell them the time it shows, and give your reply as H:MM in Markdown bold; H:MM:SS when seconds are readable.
**5:40**
